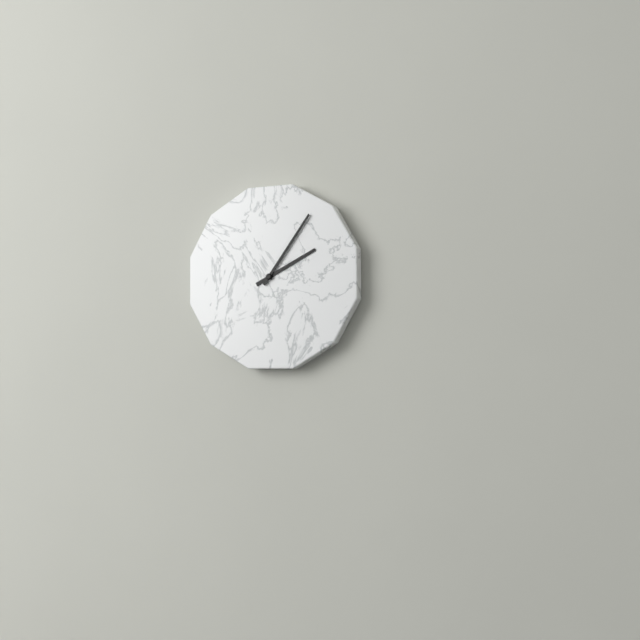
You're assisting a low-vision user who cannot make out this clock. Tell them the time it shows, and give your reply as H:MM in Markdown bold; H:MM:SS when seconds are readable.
**2:06**
